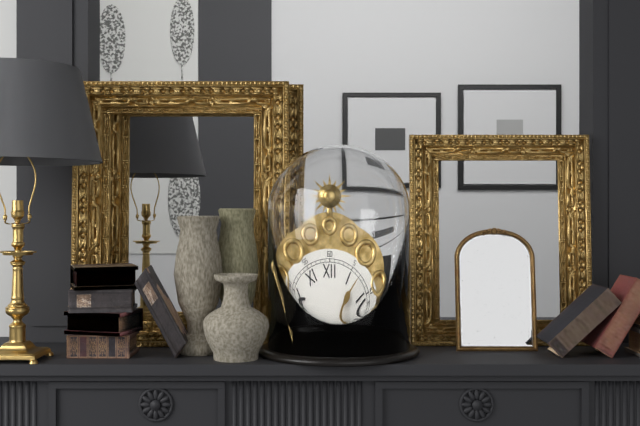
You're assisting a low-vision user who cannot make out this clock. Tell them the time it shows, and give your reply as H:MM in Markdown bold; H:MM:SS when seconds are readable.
**8:07**
